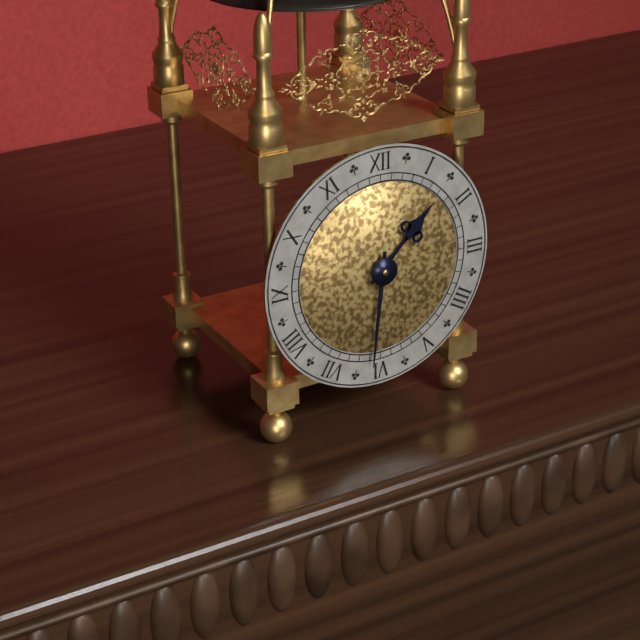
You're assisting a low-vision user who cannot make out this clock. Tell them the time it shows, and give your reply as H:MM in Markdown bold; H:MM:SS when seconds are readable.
**1:31**
